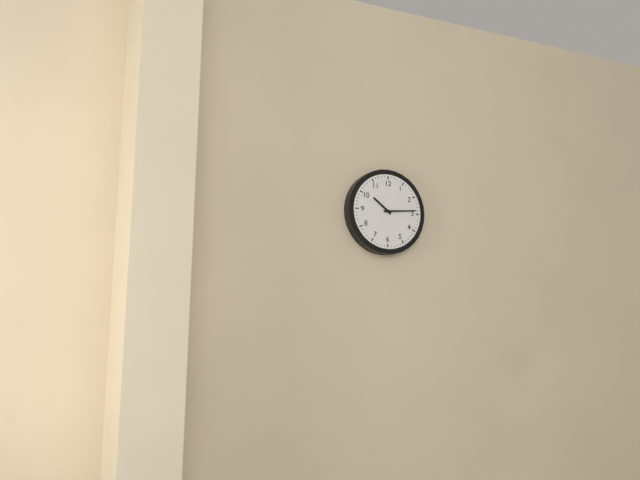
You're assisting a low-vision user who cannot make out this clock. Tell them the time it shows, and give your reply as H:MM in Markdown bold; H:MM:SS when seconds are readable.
**10:14**
